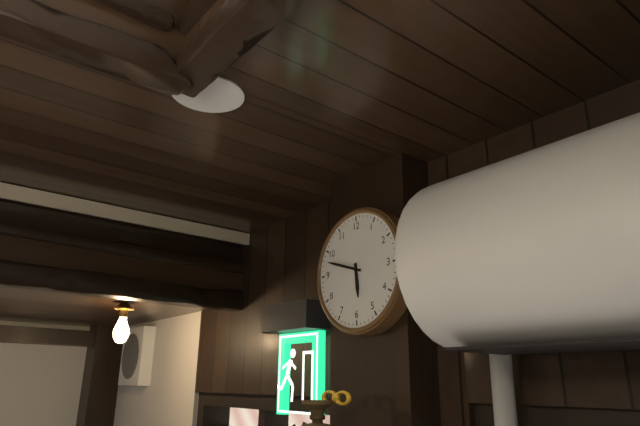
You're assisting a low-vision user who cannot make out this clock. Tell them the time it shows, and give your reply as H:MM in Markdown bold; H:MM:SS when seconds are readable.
**5:48**
